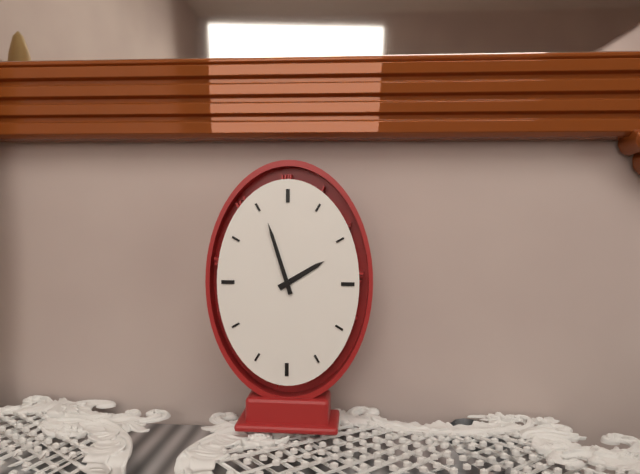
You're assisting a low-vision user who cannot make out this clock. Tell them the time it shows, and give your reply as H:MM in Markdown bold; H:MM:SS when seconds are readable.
**1:57**
